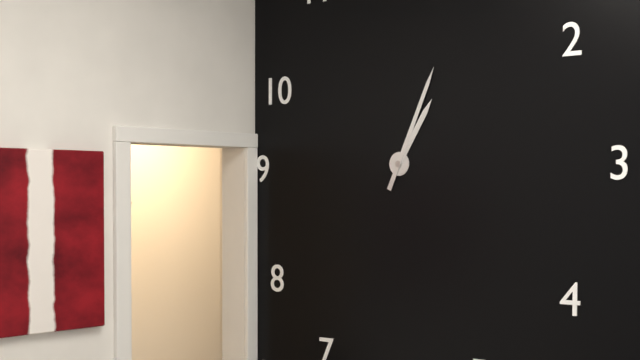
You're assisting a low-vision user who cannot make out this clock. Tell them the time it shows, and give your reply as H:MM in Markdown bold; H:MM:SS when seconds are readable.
**1:04**
